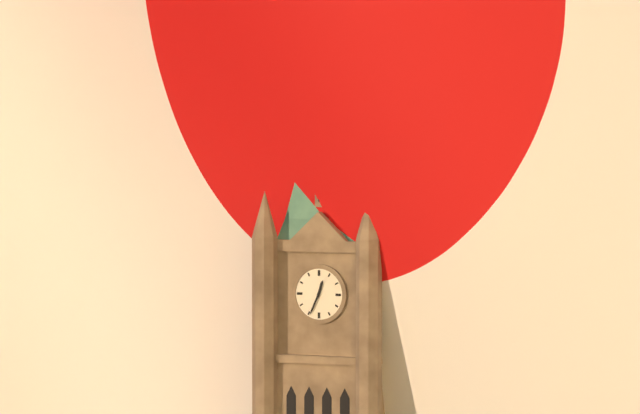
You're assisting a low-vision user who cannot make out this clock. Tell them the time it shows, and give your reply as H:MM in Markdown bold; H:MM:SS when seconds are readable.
**12:34**
